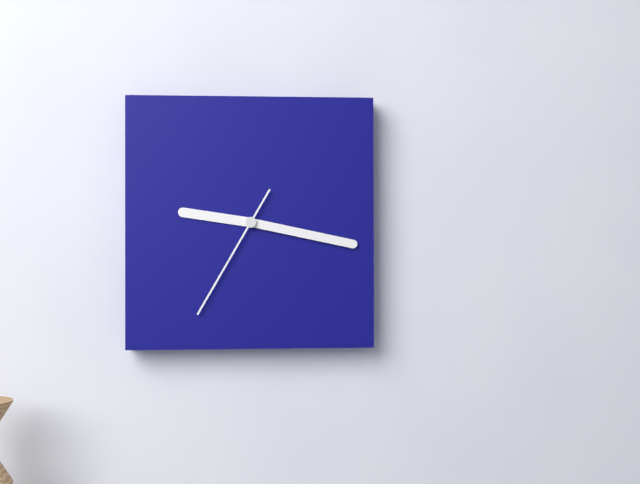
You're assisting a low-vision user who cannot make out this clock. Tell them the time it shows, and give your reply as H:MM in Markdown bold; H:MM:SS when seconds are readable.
**9:17:35**
